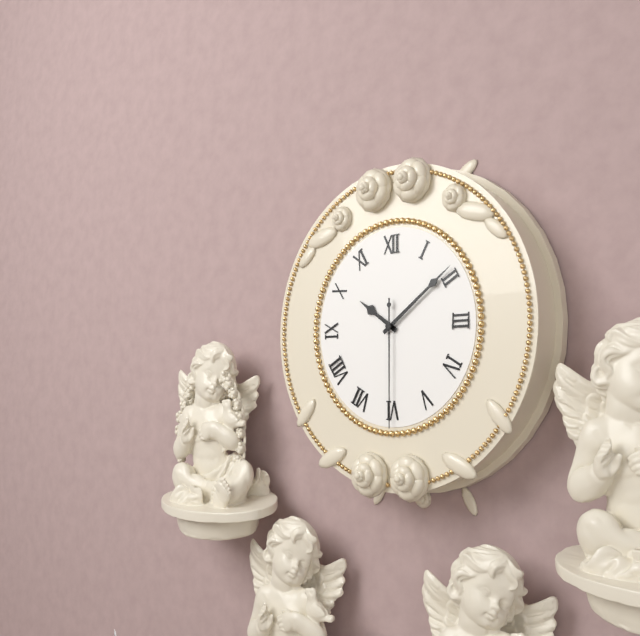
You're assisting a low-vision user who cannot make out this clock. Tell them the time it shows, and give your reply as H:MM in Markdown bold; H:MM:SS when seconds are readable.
**10:09:30**
